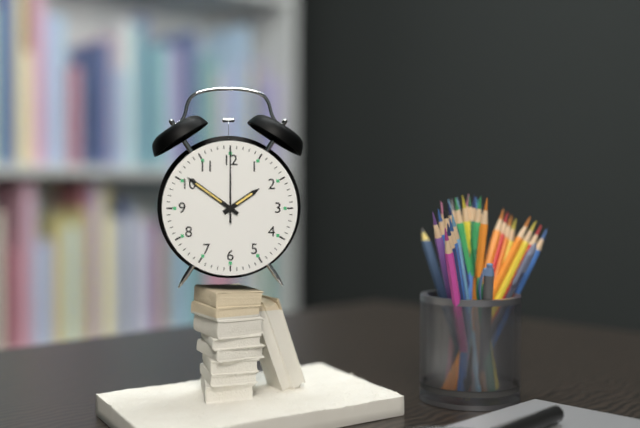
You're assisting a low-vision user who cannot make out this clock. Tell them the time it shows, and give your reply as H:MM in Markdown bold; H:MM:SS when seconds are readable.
**1:51:00**
